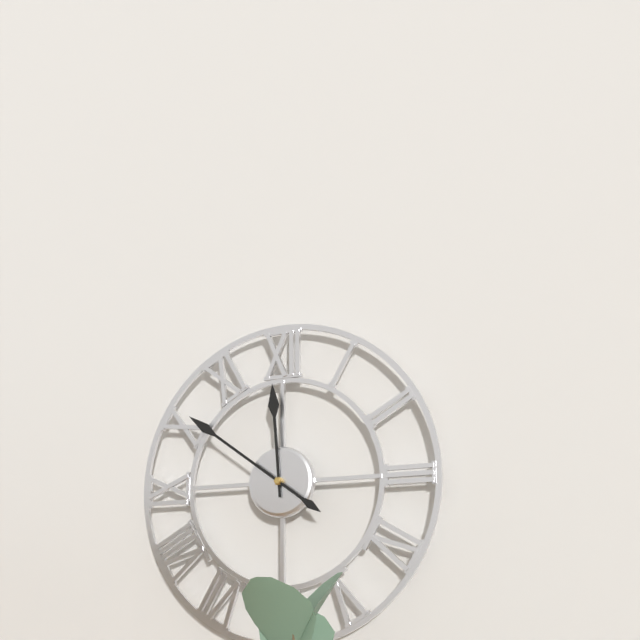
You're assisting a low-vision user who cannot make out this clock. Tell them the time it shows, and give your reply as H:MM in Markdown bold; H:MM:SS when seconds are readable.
**11:51**
